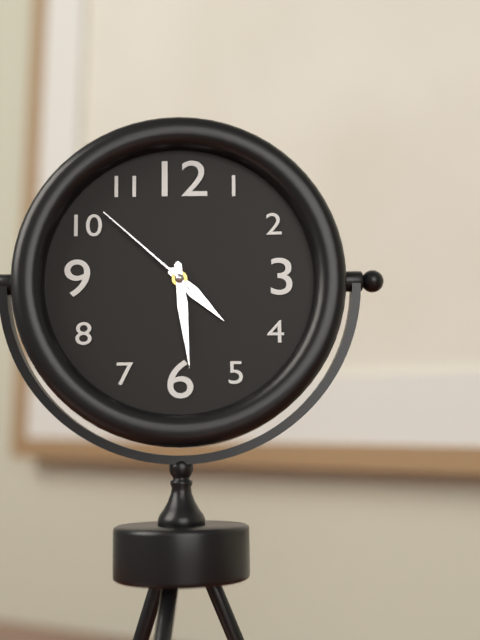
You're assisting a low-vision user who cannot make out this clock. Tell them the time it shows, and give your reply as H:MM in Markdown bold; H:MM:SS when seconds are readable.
**4:29:52**
